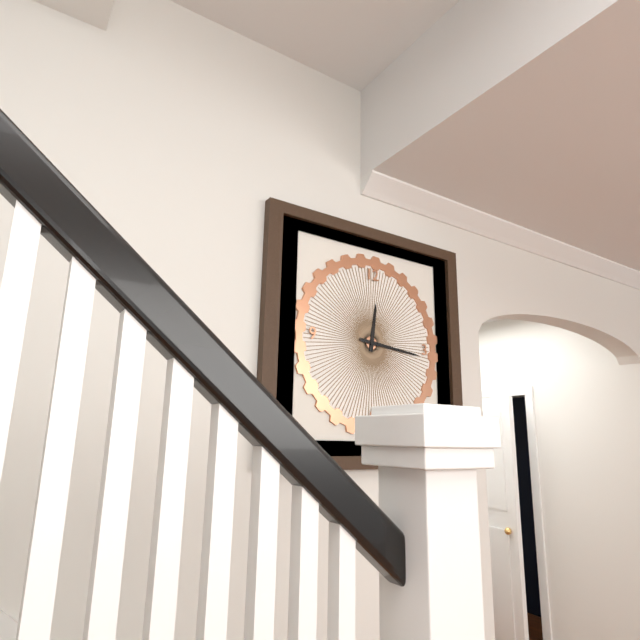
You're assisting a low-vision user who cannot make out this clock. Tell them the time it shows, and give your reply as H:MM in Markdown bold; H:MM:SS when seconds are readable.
**12:16**
